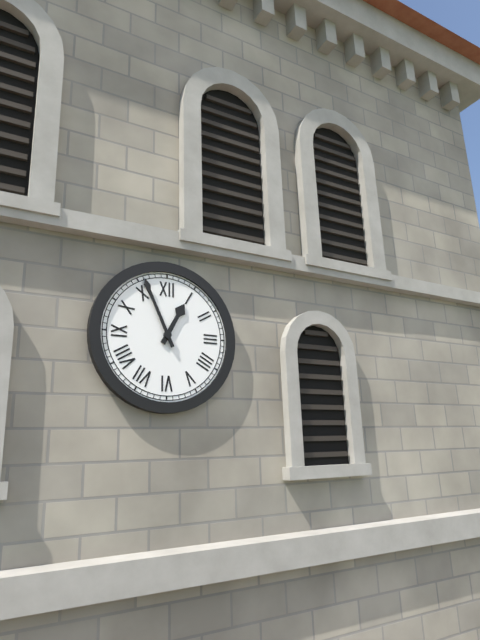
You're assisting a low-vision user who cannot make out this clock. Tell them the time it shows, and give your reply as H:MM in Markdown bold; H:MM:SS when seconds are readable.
**12:56**
